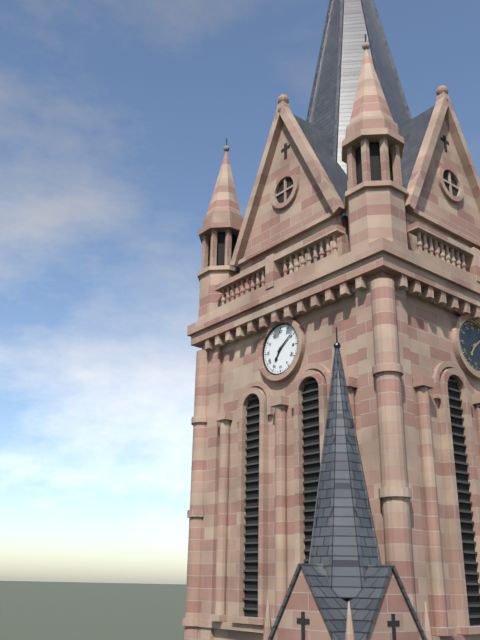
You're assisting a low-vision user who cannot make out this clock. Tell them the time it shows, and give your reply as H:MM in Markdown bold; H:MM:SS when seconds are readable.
**7:09**
